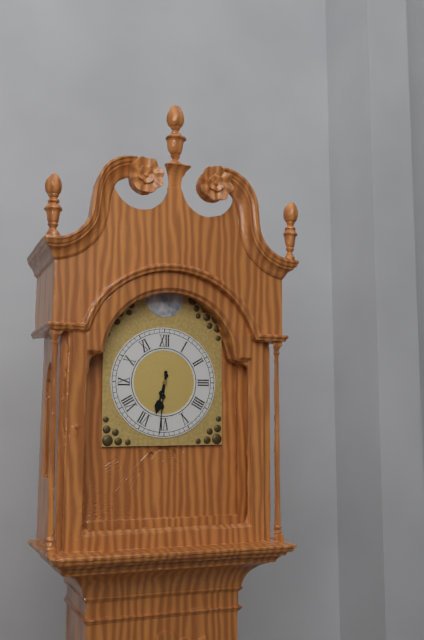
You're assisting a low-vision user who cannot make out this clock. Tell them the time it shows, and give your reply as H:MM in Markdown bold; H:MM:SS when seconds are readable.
**6:31**
